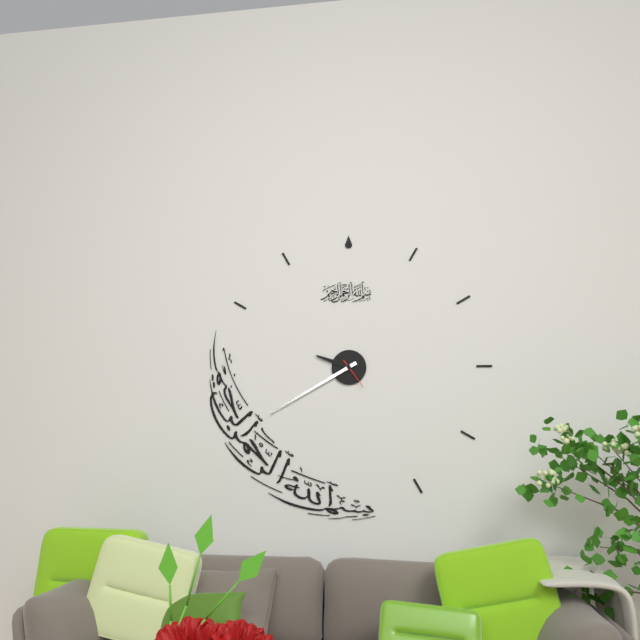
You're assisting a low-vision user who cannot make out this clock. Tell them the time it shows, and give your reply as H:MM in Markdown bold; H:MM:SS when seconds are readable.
**9:40**
